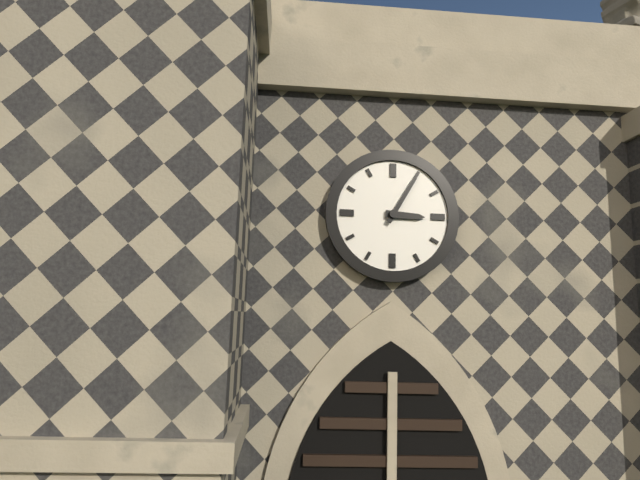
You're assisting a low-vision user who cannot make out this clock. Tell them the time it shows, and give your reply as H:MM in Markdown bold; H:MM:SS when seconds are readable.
**3:05**
